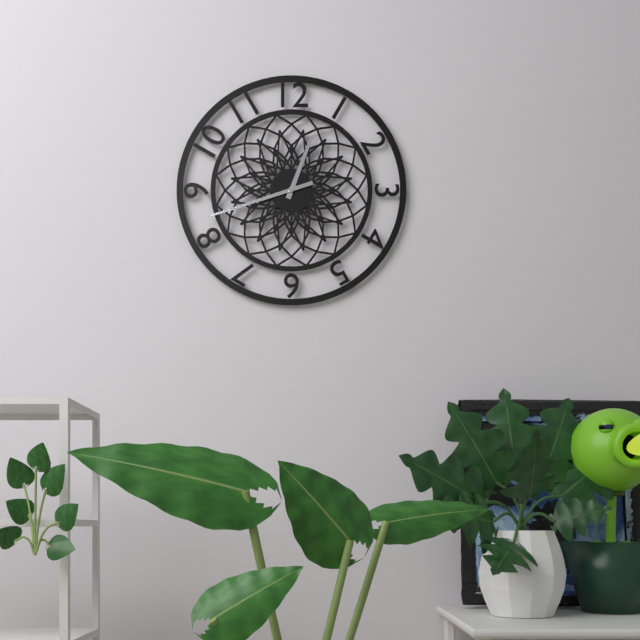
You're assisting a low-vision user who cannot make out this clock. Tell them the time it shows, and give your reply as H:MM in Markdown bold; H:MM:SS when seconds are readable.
**12:42**
